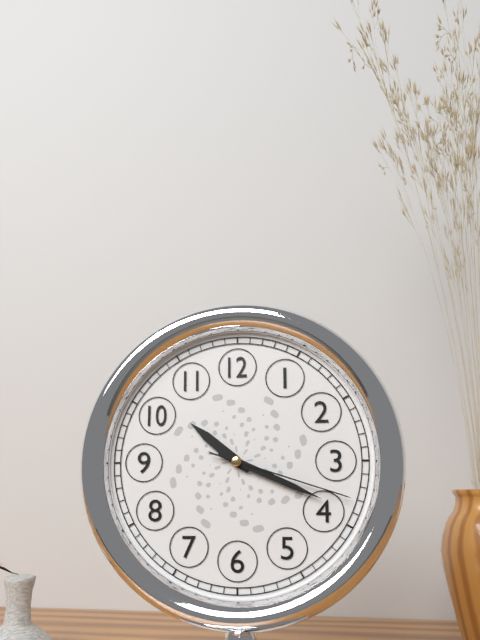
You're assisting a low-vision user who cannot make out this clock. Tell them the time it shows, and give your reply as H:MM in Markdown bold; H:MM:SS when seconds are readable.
**10:19:18**
